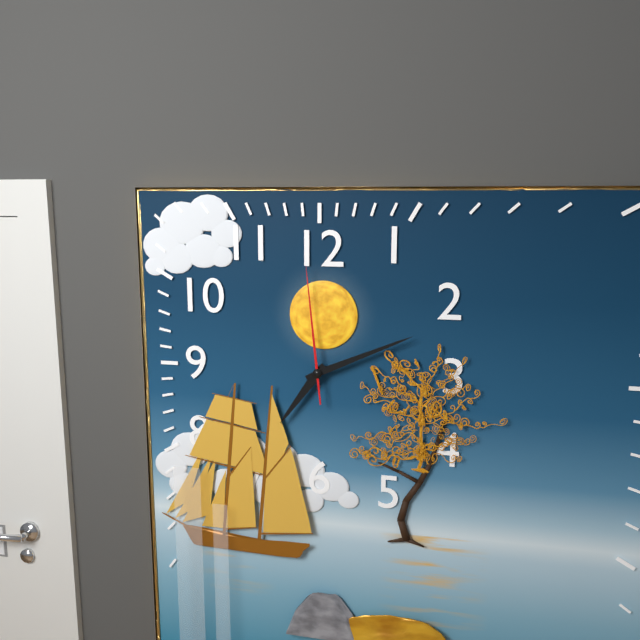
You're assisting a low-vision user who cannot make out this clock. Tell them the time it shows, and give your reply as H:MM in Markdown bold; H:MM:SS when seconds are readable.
**7:11:59**
